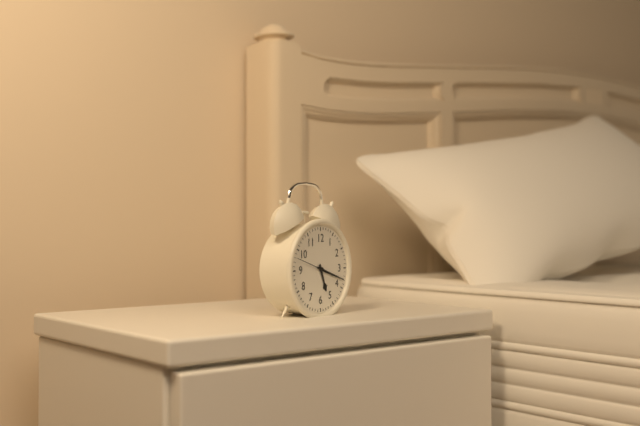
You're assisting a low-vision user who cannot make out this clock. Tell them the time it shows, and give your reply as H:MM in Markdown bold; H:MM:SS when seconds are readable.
**5:18**
